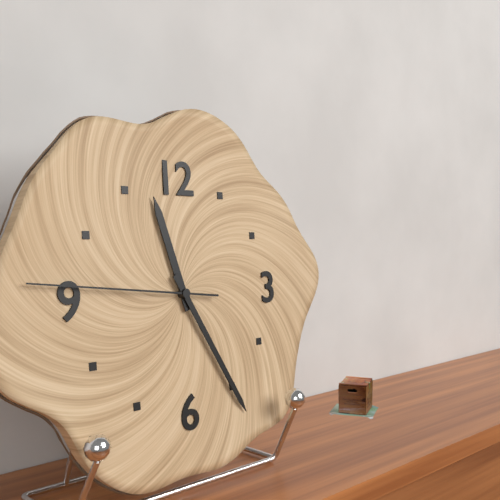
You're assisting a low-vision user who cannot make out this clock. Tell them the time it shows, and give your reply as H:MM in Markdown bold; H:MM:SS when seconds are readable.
**11:25:46**
